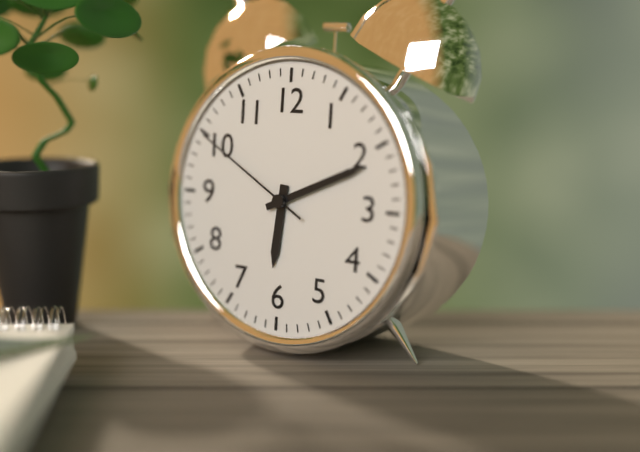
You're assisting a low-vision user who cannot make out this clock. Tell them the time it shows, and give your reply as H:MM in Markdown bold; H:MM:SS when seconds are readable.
**6:11:50**
